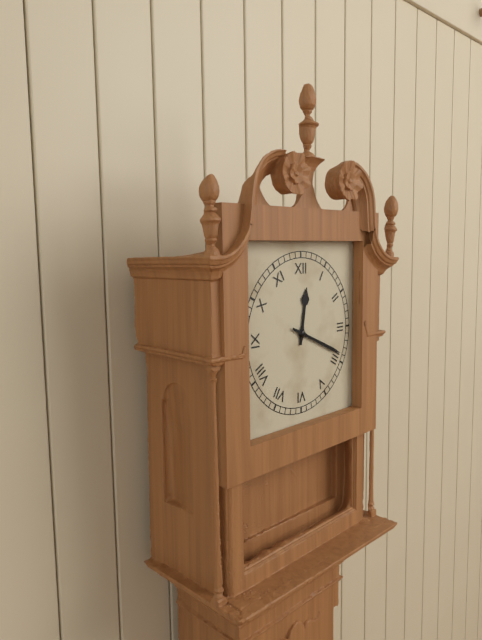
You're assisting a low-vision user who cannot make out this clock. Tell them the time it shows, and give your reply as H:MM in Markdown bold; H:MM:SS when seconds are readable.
**12:19**
